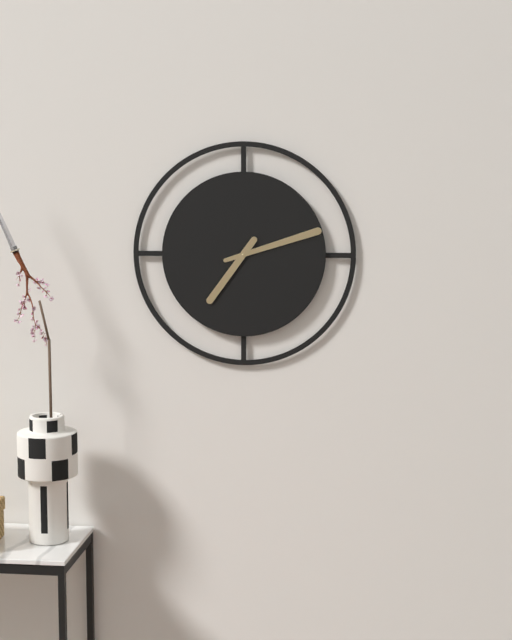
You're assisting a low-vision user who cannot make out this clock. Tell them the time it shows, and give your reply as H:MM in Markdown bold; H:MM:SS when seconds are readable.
**7:12**
